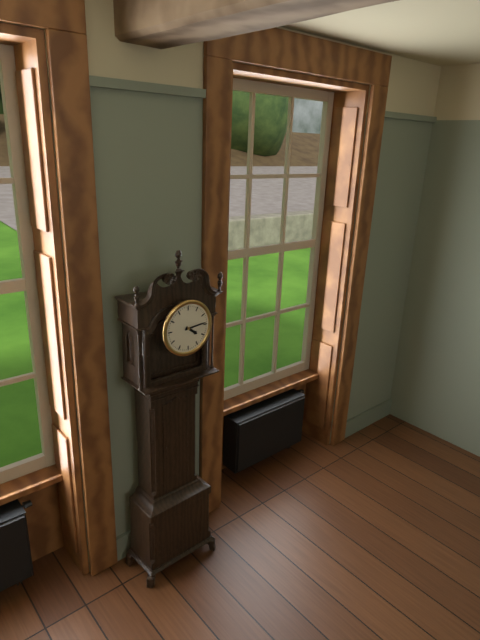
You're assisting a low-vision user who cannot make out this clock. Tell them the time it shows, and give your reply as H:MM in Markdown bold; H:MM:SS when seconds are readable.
**4:14**
